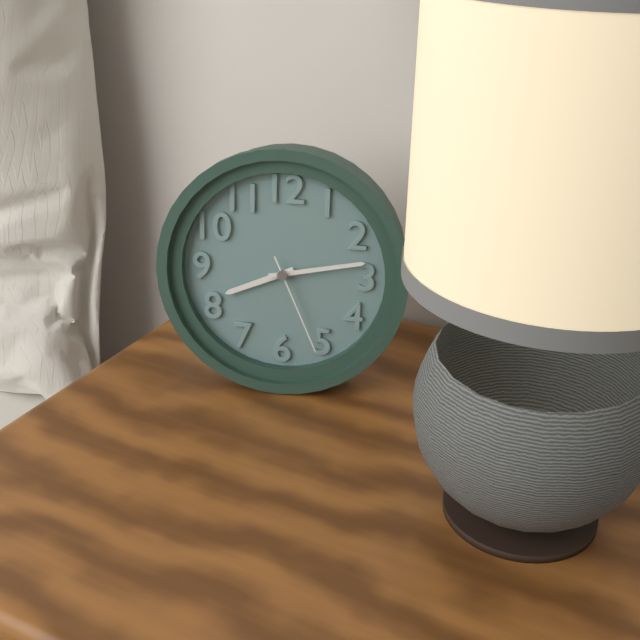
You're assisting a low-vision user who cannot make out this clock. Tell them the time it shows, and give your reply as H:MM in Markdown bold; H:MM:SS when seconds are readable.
**8:13:26**
